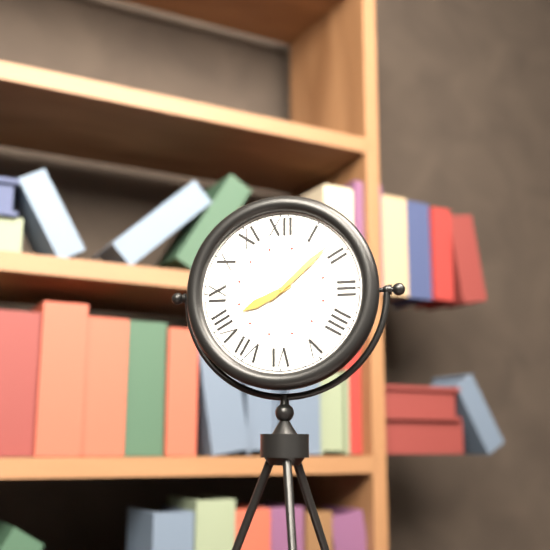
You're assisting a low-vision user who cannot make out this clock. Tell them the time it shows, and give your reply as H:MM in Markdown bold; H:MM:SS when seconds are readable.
**8:08**
